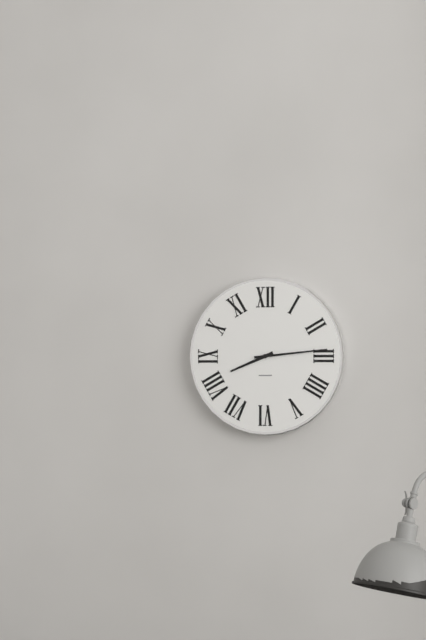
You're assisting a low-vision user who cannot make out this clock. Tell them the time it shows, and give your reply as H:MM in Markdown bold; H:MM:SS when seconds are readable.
**8:14**
